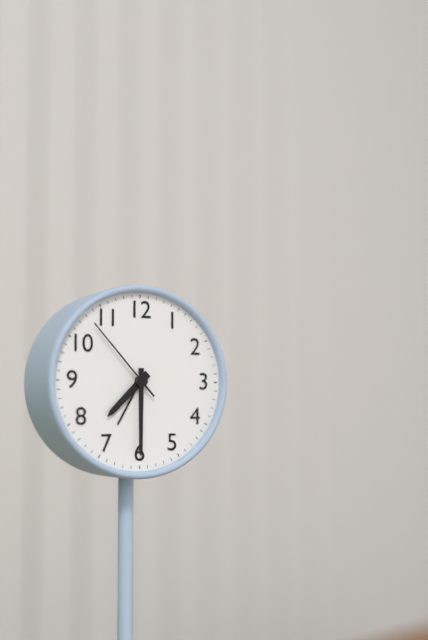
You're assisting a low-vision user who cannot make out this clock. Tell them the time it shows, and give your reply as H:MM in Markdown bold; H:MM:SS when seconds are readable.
**7:30:53**
